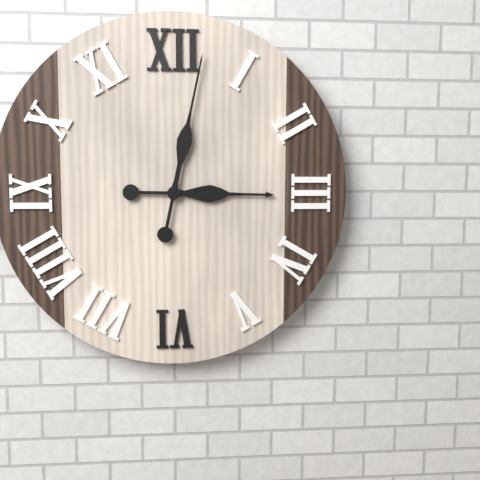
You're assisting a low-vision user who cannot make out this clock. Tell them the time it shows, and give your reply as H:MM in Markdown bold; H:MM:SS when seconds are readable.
**3:02**
